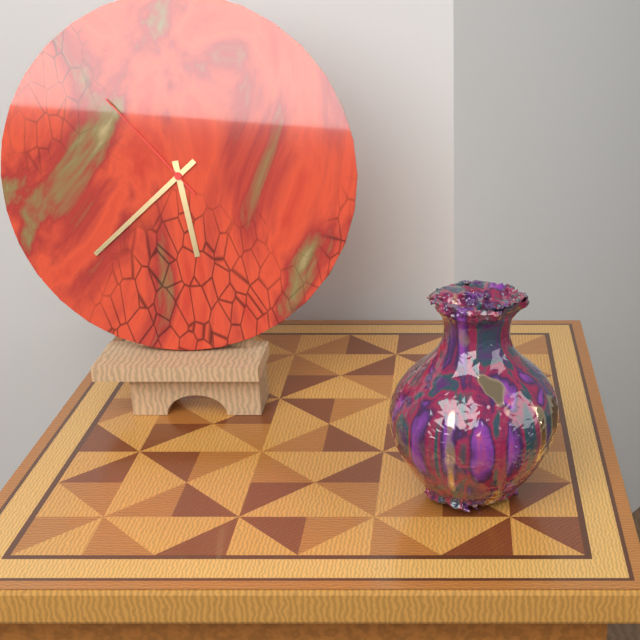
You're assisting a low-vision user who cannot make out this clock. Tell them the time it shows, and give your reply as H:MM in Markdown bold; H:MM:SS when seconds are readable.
**5:38:53**
